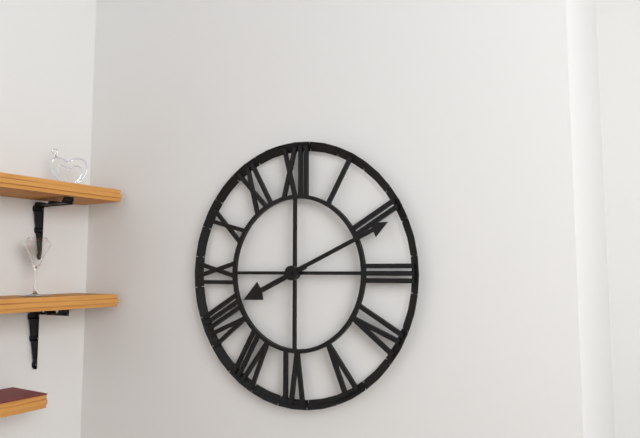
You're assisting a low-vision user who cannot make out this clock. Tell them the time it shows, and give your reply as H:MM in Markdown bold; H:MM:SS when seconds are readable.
**8:11**
